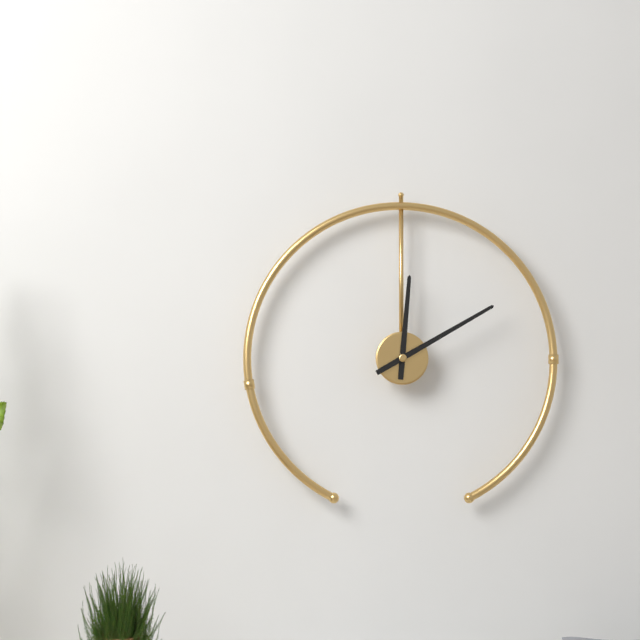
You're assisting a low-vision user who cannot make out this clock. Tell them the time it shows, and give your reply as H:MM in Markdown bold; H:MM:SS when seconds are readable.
**12:10**
